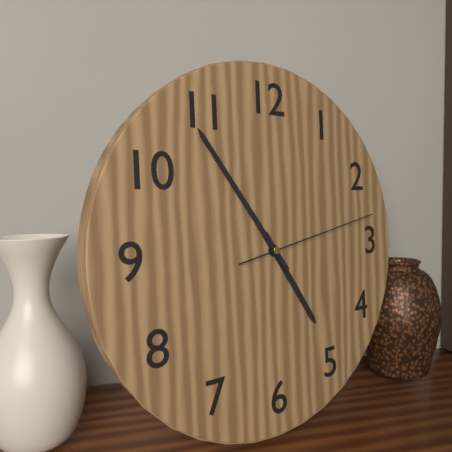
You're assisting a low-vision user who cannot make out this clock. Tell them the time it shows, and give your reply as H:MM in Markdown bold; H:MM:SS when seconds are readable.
**4:54:13**
